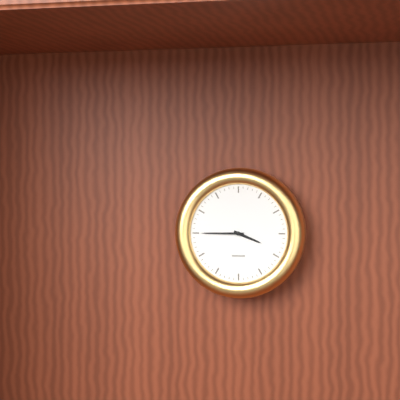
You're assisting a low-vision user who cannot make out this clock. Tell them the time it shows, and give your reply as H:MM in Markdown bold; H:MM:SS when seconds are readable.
**3:45**
